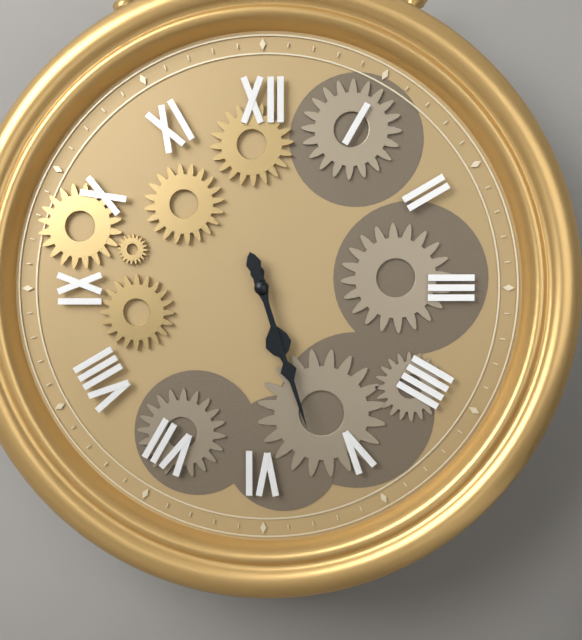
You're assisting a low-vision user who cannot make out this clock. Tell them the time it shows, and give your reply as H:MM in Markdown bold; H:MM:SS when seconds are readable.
**5:27**
